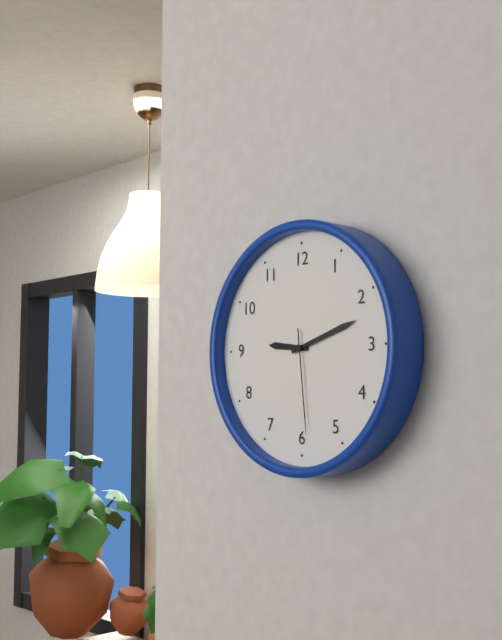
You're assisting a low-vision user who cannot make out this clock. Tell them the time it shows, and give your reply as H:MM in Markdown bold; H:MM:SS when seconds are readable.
**9:12:29**
